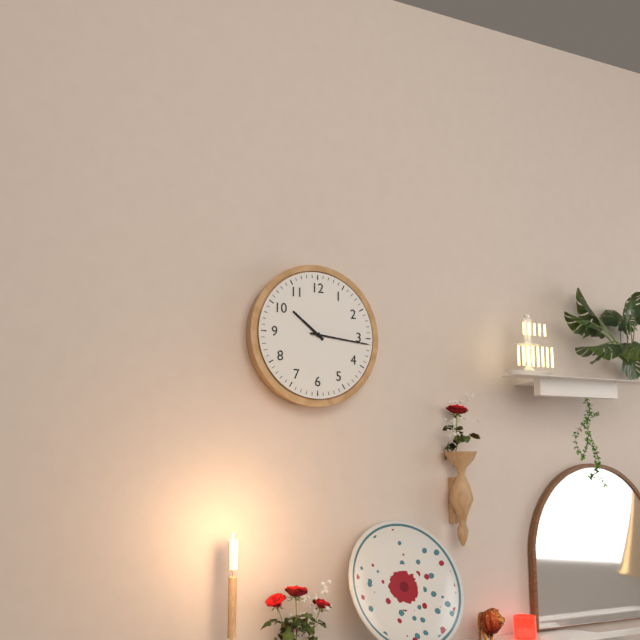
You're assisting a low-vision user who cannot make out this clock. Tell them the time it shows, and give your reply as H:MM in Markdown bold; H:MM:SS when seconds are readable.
**10:16**
